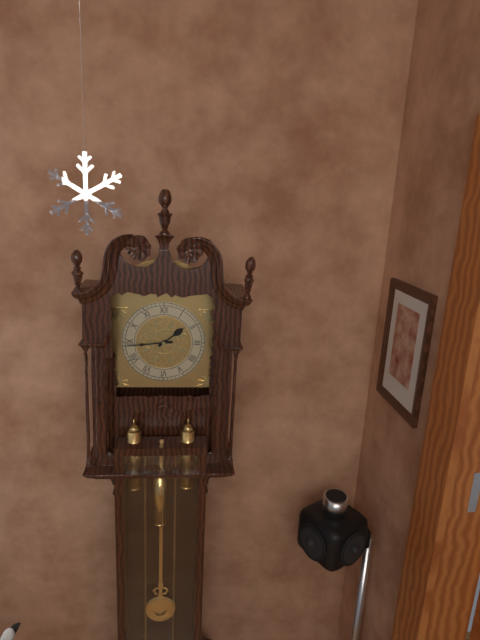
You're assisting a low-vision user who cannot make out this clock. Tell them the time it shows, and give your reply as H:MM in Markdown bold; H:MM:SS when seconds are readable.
**1:44**
